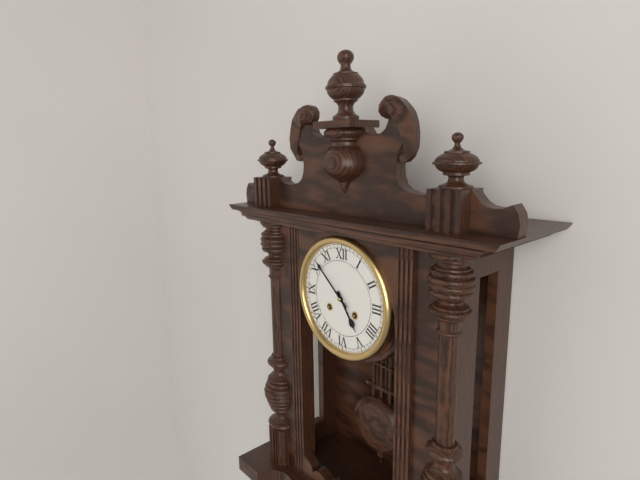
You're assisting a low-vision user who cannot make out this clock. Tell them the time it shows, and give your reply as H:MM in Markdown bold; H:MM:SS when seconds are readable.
**4:52**
